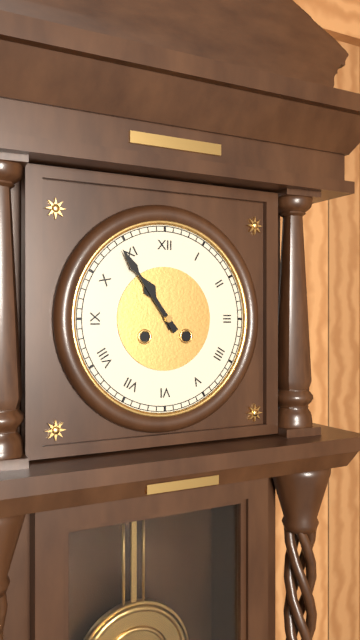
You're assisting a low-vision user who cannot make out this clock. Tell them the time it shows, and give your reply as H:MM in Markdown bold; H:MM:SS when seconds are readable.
**10:54**
